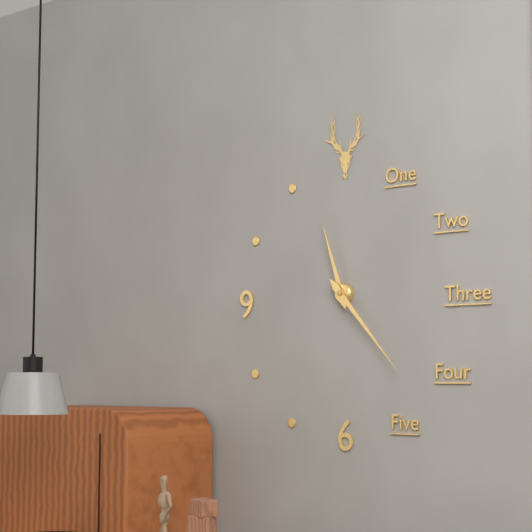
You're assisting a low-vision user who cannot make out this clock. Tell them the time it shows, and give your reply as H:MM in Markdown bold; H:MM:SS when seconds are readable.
**11:23**
